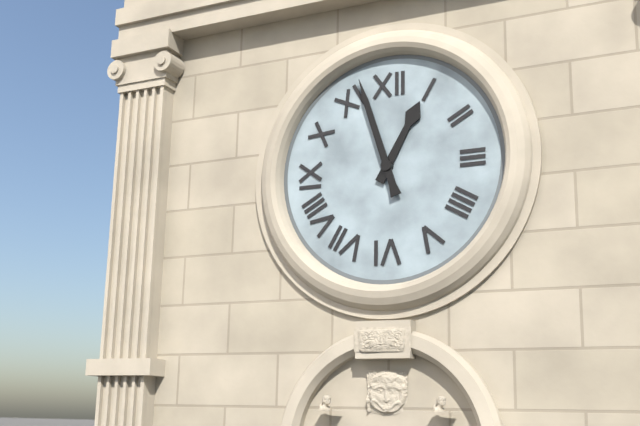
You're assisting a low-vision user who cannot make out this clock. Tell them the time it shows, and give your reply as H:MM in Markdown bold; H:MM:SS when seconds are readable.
**12:57**
